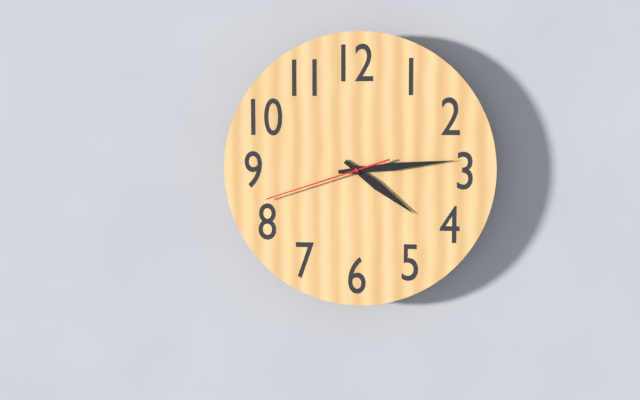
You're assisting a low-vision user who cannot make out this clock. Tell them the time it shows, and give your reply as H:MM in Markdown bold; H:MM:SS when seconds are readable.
**4:14:42**
